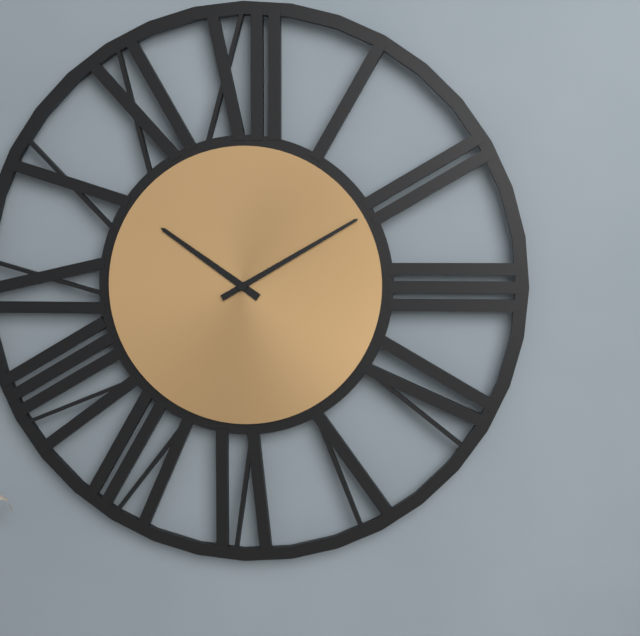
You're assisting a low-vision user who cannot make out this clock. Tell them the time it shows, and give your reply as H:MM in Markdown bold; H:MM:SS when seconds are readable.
**10:10**
